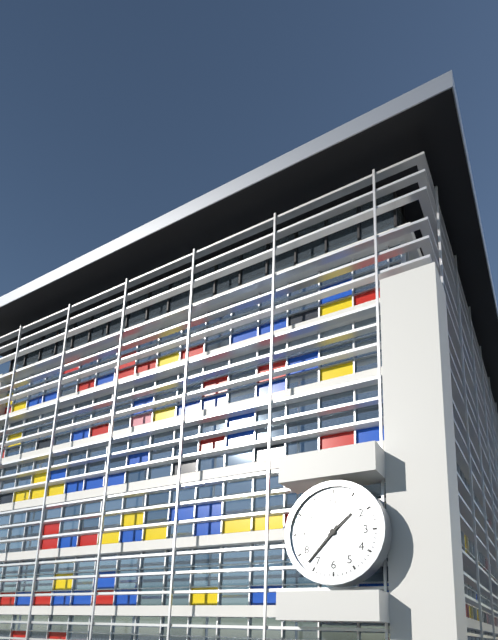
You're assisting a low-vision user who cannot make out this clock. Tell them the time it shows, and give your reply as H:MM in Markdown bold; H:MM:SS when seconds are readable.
**1:37**
